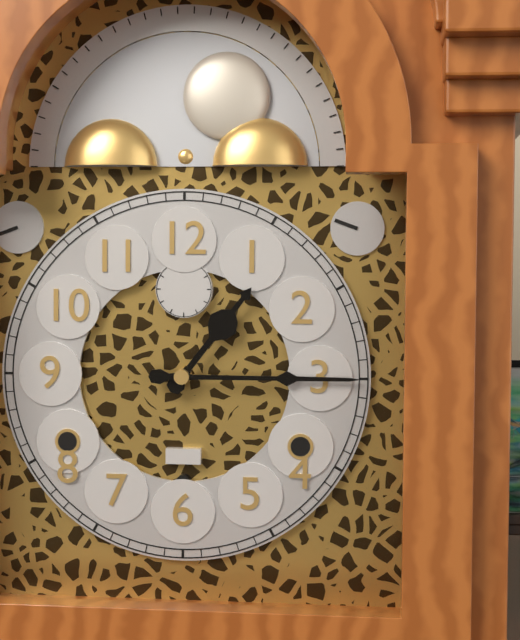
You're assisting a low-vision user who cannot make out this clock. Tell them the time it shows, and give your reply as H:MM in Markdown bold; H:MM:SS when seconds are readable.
**1:15**
